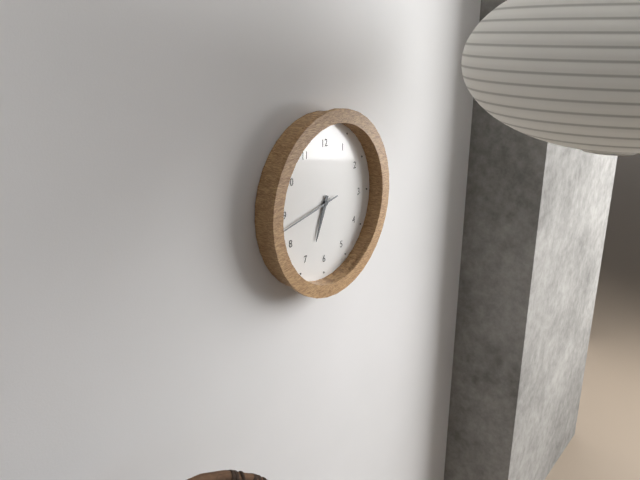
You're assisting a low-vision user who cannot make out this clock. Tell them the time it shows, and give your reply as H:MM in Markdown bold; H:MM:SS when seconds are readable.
**6:43**
